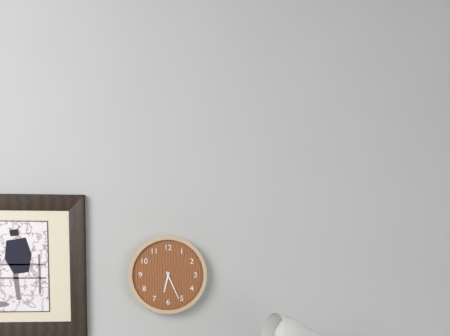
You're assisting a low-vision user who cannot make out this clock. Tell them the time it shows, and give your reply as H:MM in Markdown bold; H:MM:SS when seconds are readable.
**6:26**
